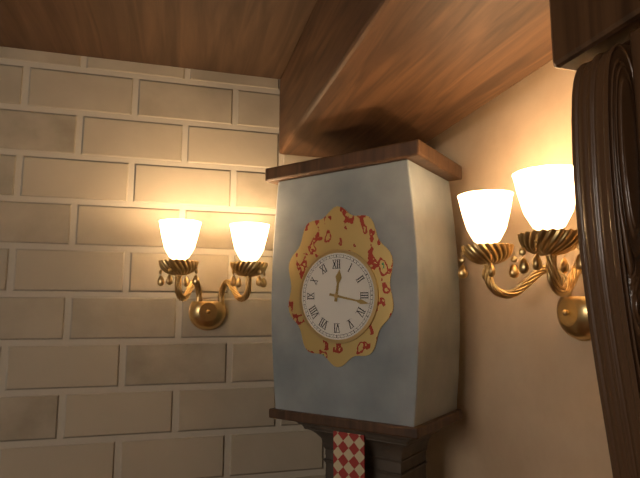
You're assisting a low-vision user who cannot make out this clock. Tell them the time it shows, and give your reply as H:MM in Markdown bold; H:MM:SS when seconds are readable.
**12:17**
